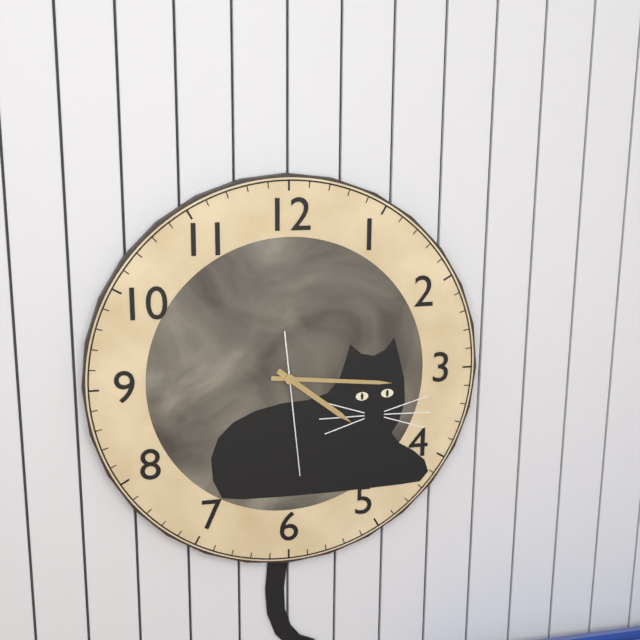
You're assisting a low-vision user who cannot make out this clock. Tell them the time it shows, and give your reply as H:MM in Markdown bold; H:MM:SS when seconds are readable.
**4:16:29**
